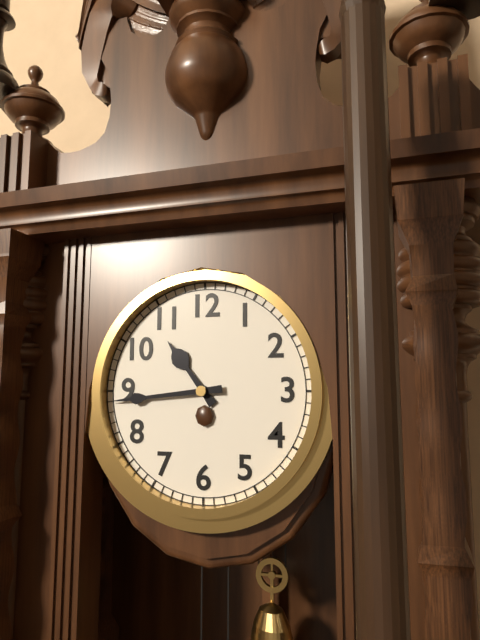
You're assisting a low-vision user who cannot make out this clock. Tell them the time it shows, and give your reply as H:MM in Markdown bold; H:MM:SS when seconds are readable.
**10:44**
